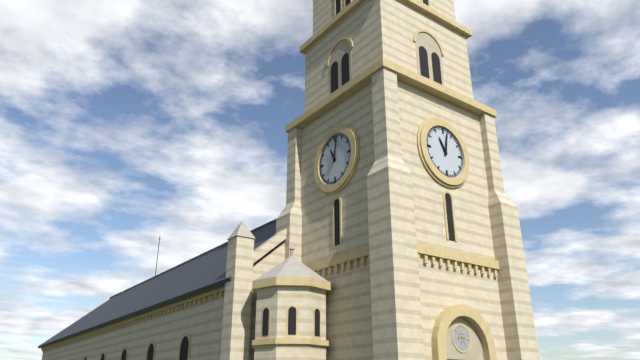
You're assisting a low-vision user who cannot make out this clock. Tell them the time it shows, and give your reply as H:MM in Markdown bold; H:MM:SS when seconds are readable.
**11:02**
